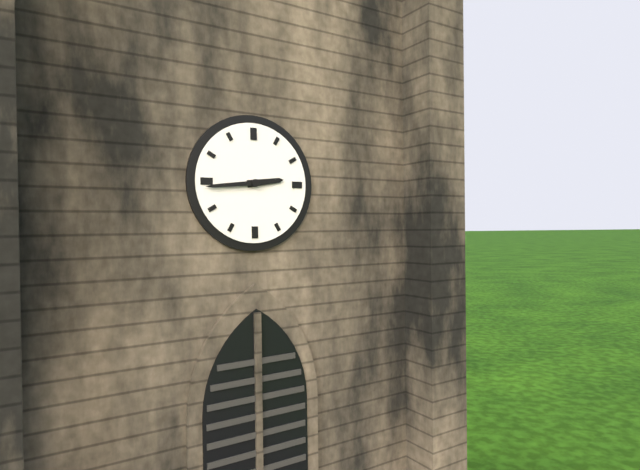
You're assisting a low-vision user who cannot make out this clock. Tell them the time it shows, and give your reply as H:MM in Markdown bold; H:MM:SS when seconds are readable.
**2:44**
